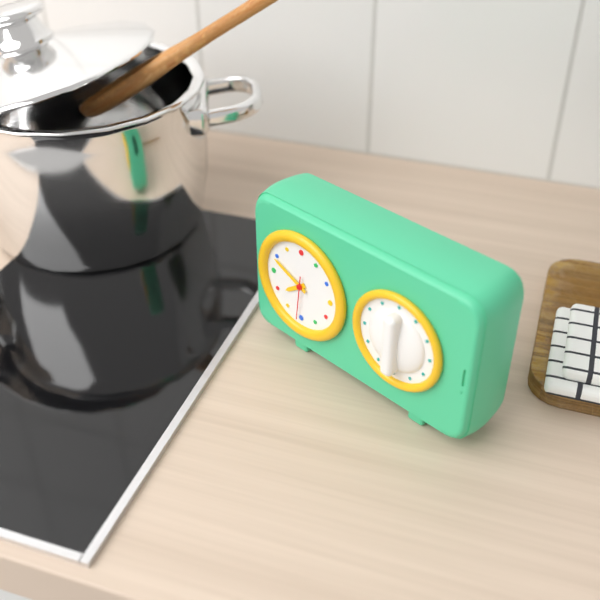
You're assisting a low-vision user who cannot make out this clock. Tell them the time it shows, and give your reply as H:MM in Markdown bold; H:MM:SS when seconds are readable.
**7:49**
